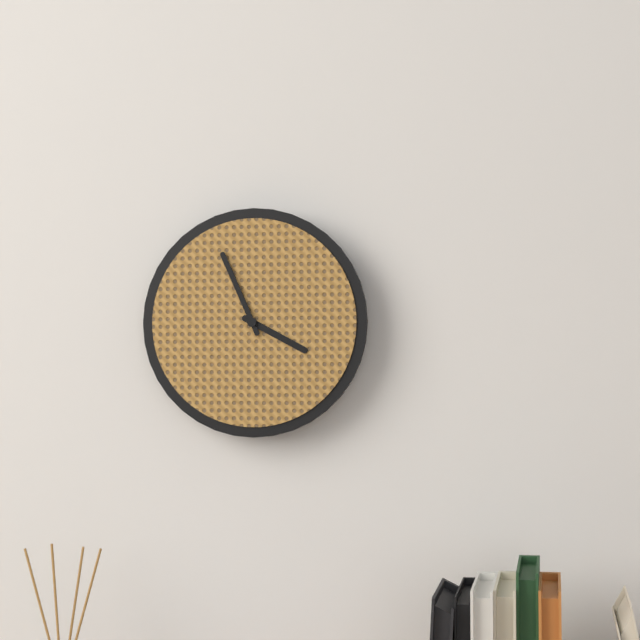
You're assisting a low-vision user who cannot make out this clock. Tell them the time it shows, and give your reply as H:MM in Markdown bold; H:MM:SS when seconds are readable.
**3:56**
